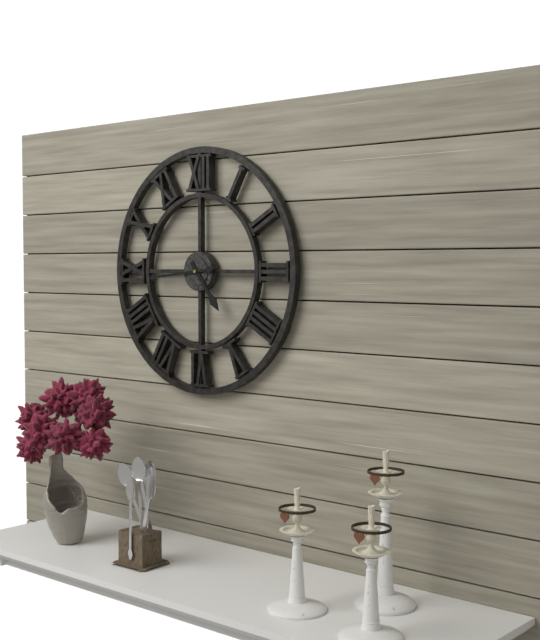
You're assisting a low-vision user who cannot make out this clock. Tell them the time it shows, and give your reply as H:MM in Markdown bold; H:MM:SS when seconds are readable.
**4:44**
